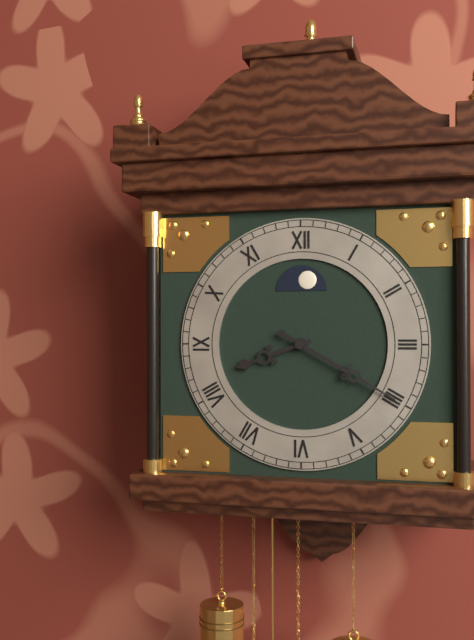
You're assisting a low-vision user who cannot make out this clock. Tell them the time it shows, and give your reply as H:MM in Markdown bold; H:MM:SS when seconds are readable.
**8:20**
